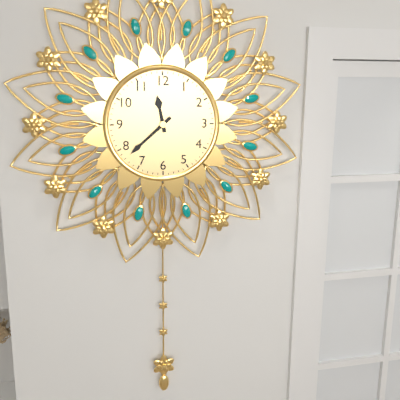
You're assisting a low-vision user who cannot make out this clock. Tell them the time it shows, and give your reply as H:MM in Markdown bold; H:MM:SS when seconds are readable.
**11:38**
